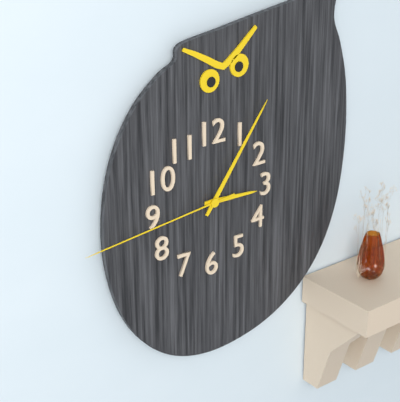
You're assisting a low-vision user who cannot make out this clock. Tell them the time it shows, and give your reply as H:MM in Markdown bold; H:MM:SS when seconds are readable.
**3:06:44**
